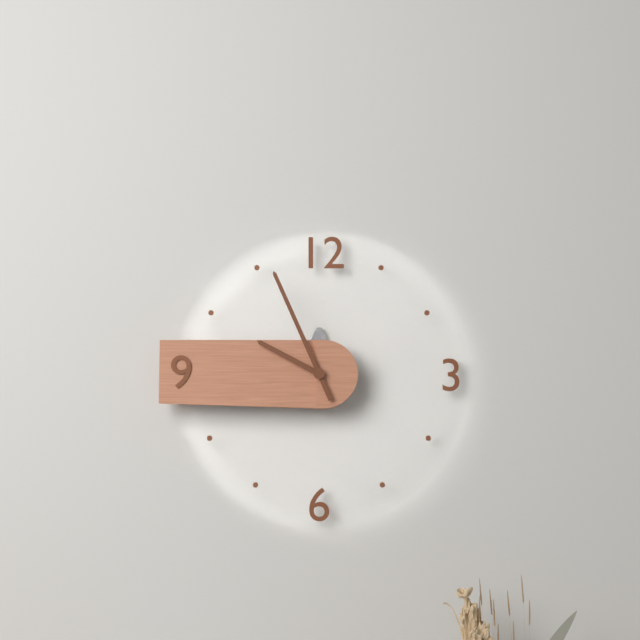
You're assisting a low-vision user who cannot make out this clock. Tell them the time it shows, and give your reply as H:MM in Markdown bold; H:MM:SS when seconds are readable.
**9:56**
